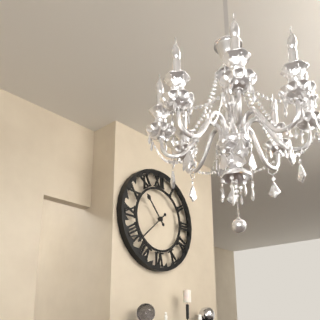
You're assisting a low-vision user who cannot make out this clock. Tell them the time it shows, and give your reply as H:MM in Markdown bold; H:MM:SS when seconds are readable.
**10:38**
